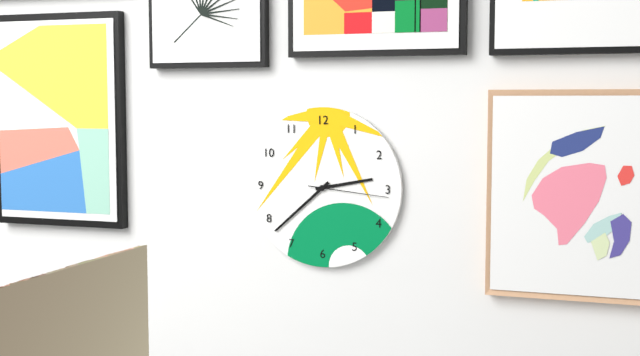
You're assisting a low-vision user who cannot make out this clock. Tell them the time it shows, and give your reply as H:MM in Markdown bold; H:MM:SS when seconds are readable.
**2:38:16**
